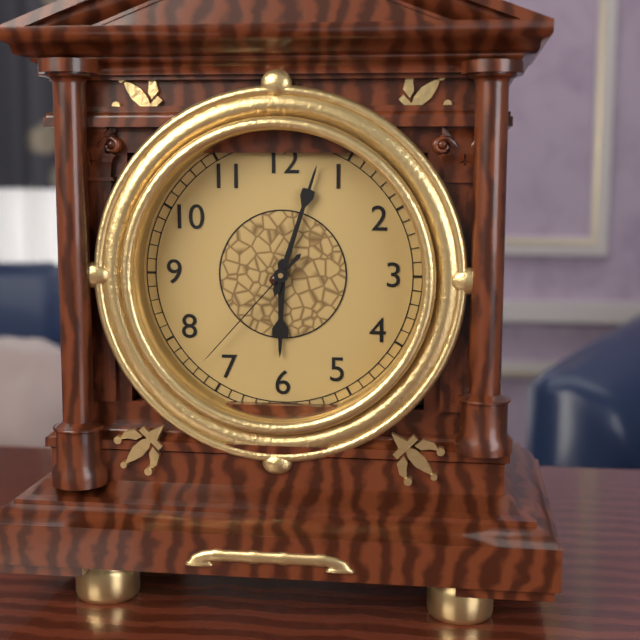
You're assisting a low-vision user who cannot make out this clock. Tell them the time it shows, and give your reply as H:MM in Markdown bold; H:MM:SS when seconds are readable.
**6:03:37**
